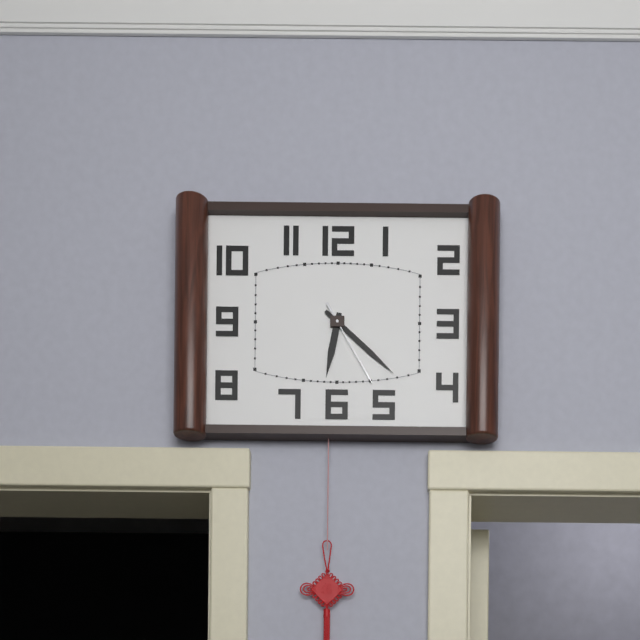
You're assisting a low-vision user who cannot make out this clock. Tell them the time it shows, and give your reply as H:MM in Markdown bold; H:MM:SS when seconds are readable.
**6:22:25**
